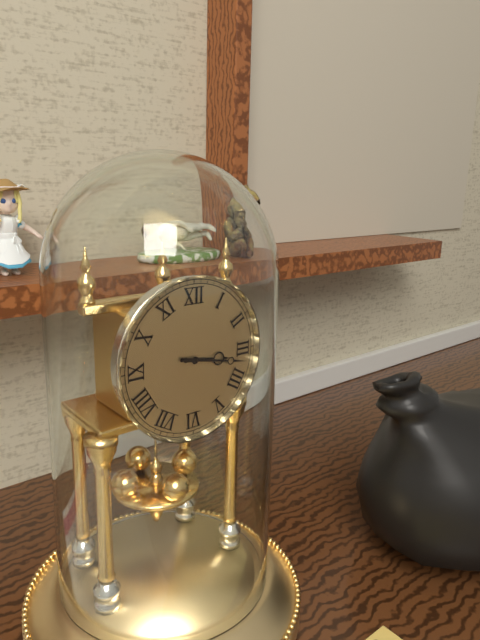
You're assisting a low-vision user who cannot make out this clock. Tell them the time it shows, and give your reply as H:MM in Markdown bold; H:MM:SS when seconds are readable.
**3:17**
